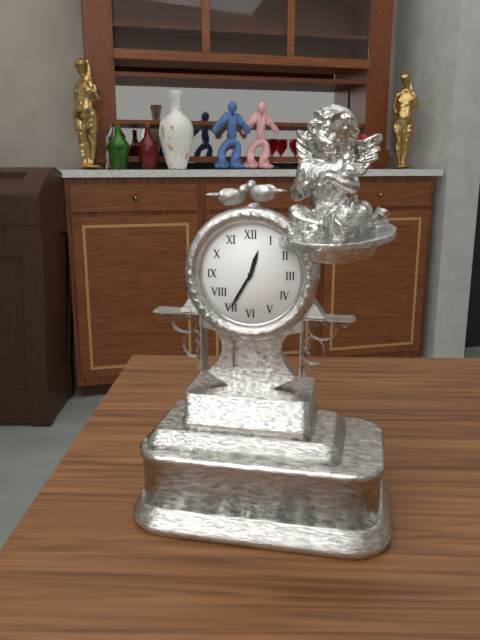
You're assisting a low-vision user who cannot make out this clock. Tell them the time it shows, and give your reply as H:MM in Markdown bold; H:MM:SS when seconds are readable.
**12:35**
